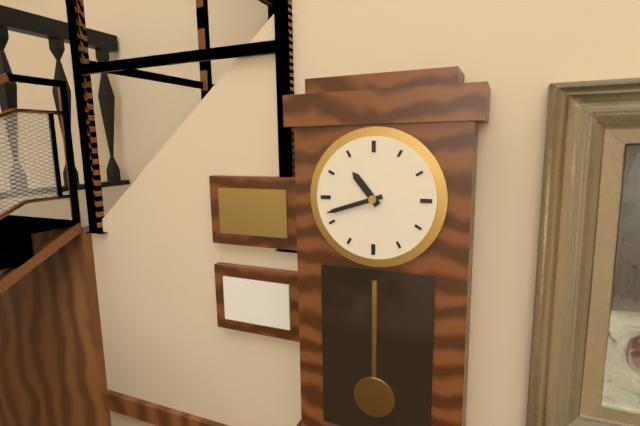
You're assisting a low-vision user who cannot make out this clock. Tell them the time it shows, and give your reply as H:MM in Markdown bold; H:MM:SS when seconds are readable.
**10:42**
